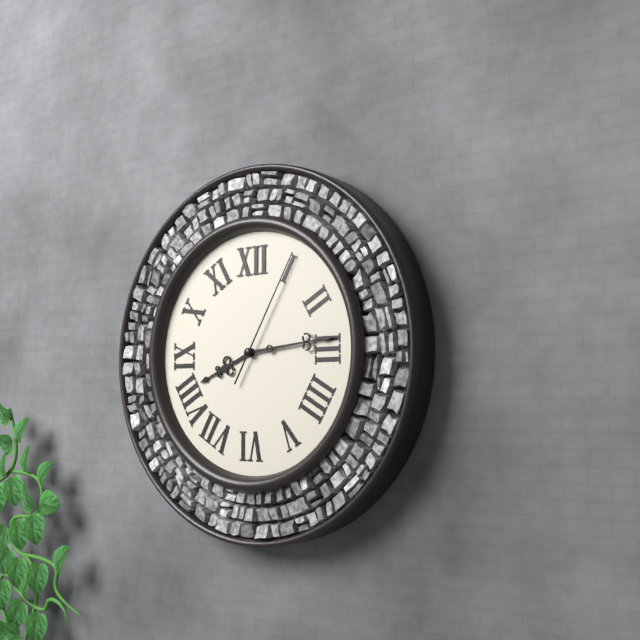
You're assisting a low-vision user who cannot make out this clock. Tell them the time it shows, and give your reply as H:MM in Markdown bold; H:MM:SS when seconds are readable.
**8:14:05**
